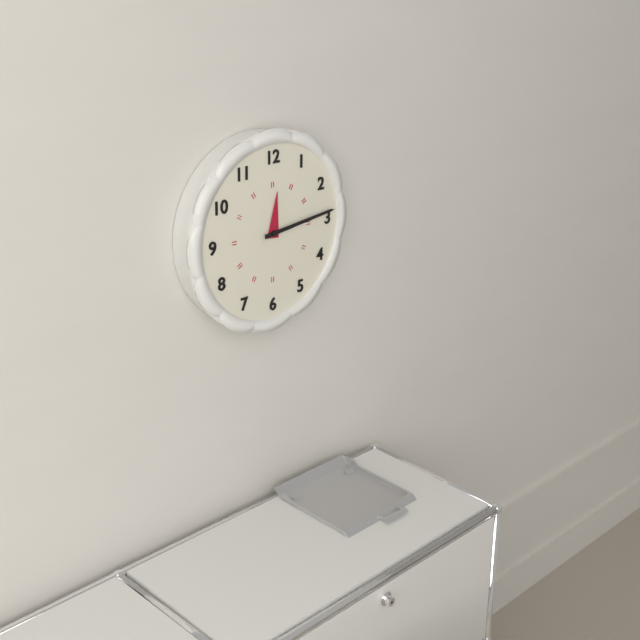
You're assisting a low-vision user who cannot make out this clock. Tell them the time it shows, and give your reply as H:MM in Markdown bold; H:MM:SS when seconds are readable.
**12:14**
